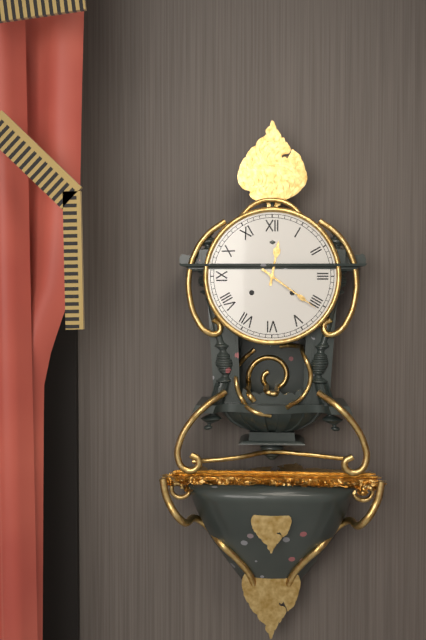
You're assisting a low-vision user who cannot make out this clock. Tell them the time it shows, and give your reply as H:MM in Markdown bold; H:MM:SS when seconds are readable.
**12:21**
